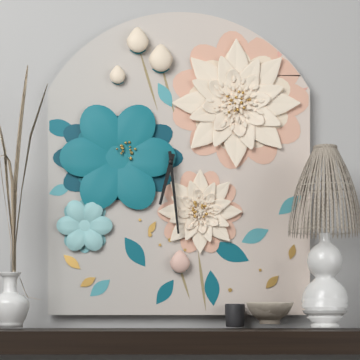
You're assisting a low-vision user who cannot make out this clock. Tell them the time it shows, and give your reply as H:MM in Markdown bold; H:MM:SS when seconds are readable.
**6:29**
